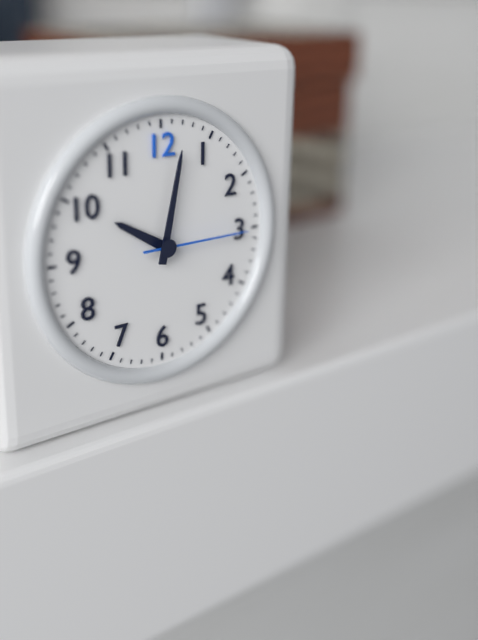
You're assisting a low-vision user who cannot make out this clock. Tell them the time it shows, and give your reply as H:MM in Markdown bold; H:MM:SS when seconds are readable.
**10:02:15**
